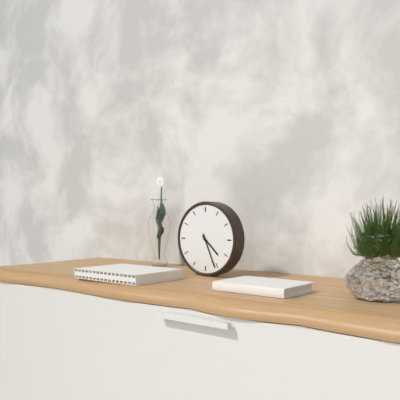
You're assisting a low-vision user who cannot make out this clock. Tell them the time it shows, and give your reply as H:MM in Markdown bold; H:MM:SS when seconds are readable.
**4:26**
